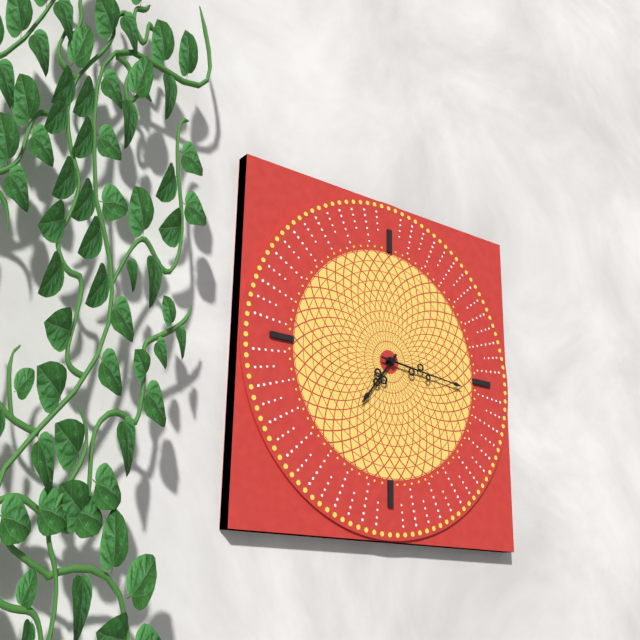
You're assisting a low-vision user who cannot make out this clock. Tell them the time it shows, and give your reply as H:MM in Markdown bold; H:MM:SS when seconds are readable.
**7:16**
